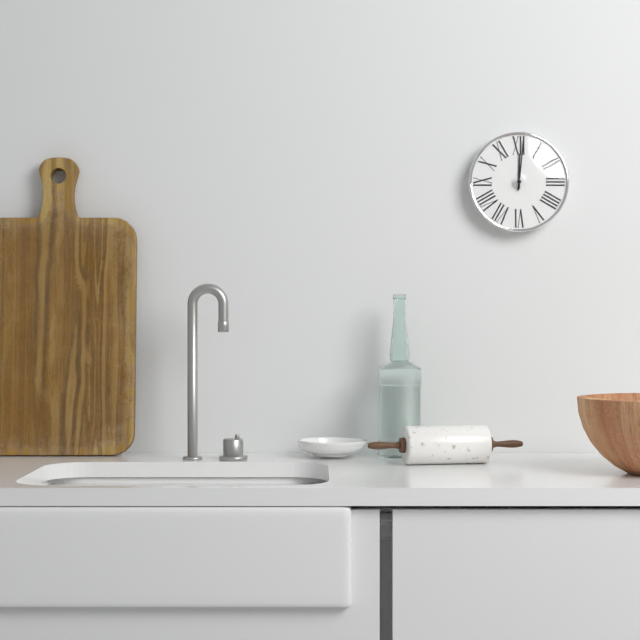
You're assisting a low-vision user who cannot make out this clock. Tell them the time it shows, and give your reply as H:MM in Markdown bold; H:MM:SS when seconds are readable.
**12:01**
